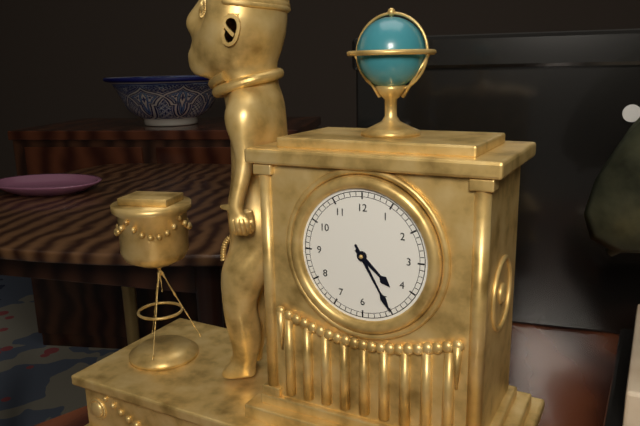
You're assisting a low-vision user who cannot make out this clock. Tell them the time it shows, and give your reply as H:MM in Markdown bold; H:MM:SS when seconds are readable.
**4:25**
